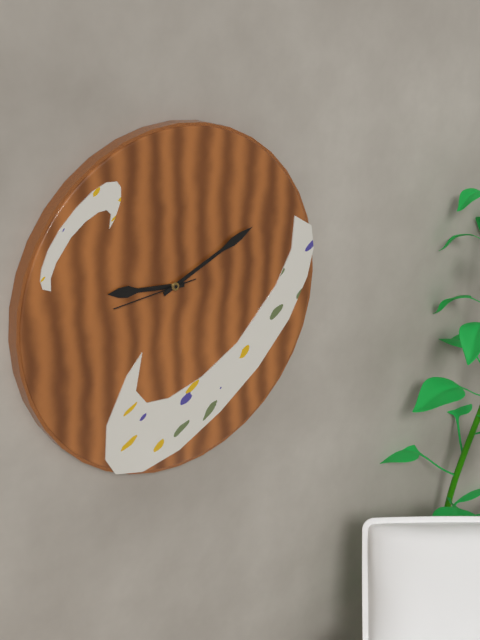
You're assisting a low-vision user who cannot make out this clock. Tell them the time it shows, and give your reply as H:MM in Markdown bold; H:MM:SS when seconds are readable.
**9:11:44**
